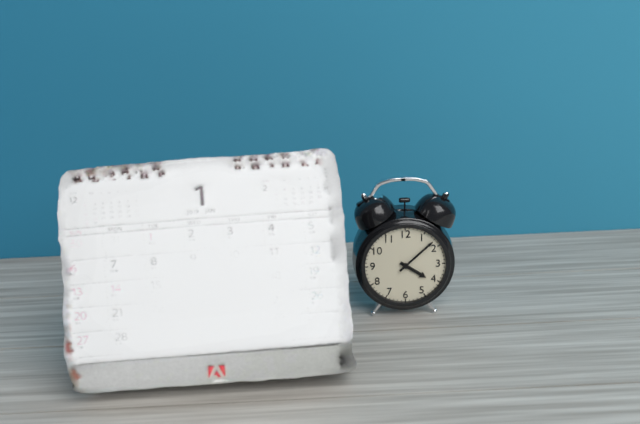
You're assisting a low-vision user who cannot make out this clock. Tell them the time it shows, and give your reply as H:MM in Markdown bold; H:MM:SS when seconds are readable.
**4:08**
